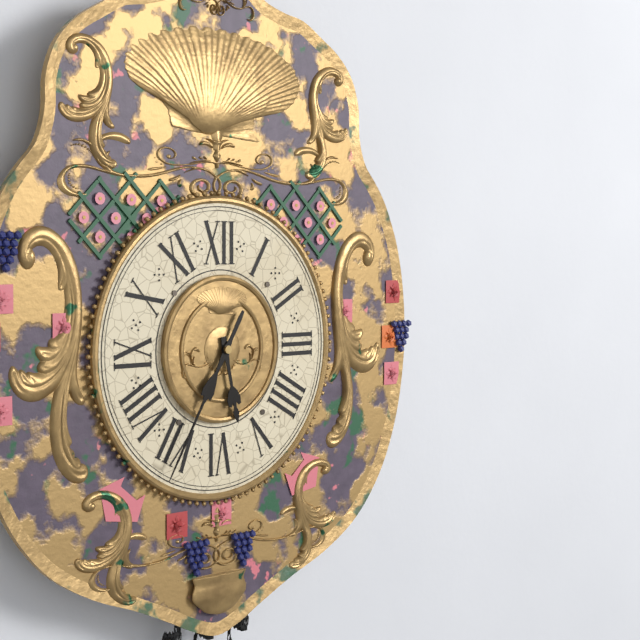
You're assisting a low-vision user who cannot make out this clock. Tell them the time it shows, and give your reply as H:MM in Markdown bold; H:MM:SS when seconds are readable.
**5:35**
